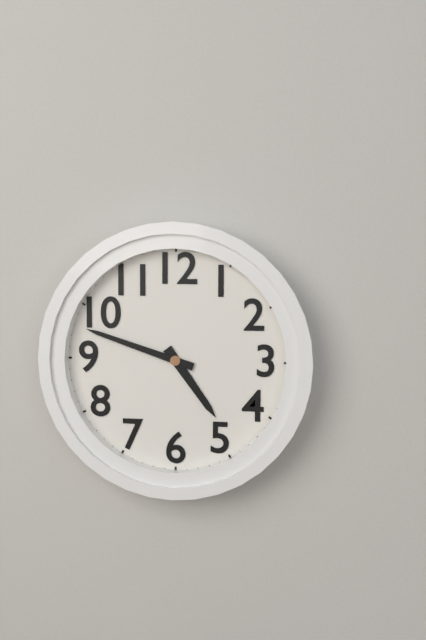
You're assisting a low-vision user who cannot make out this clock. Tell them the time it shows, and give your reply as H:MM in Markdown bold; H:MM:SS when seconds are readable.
**4:48**
